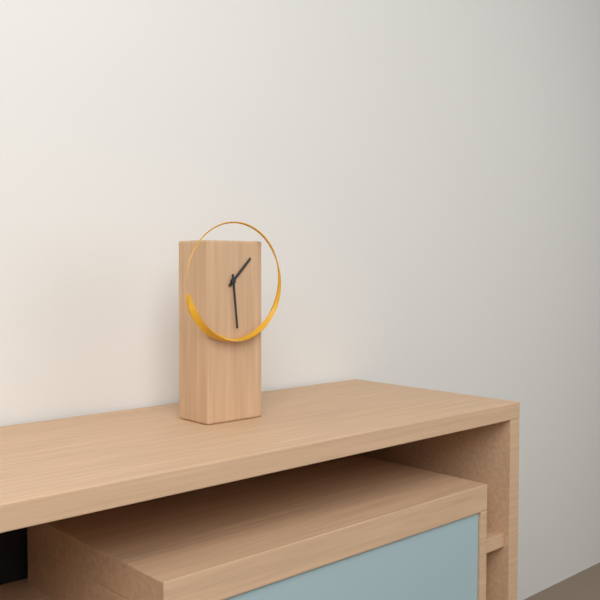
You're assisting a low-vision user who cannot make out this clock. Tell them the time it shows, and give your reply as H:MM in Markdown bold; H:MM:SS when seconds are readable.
**1:29**
